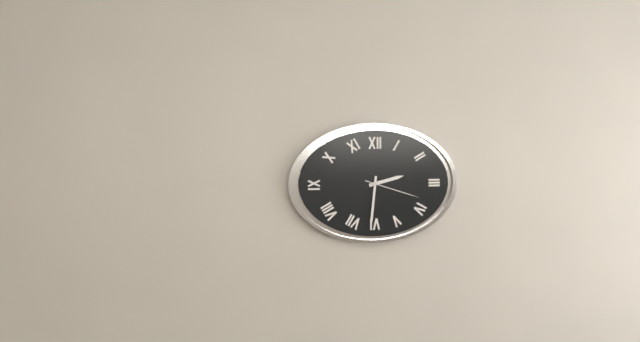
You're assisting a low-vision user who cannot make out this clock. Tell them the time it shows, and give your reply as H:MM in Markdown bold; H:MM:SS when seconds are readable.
**2:31:18**
